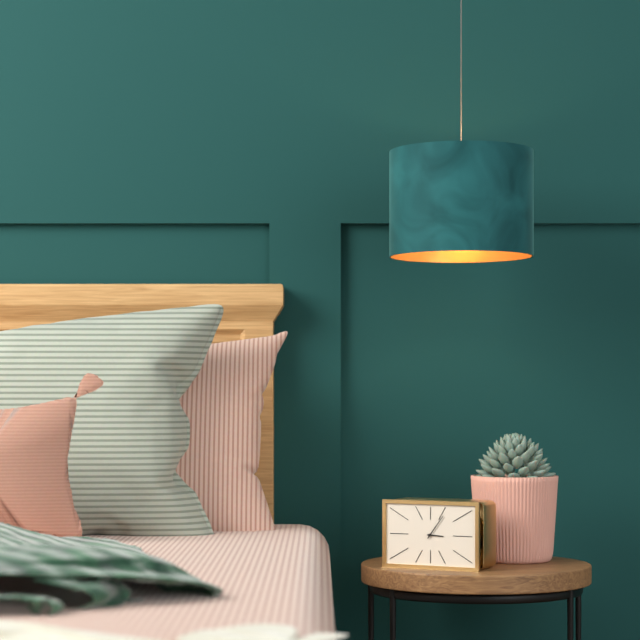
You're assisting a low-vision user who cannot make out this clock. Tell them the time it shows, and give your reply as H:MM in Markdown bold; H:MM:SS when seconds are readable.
**3:06**
